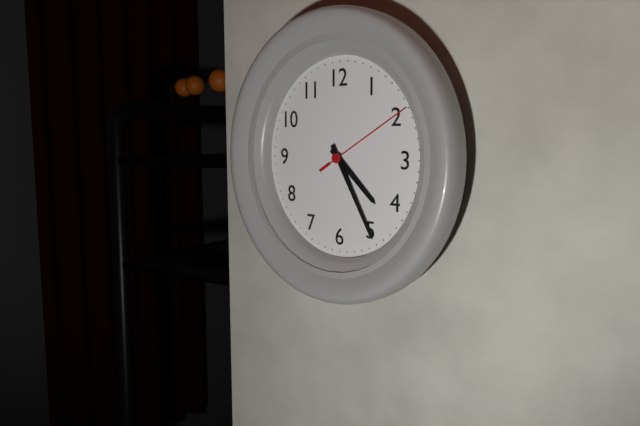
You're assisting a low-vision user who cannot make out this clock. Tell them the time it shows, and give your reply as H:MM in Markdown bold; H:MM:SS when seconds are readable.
**4:25:10**
